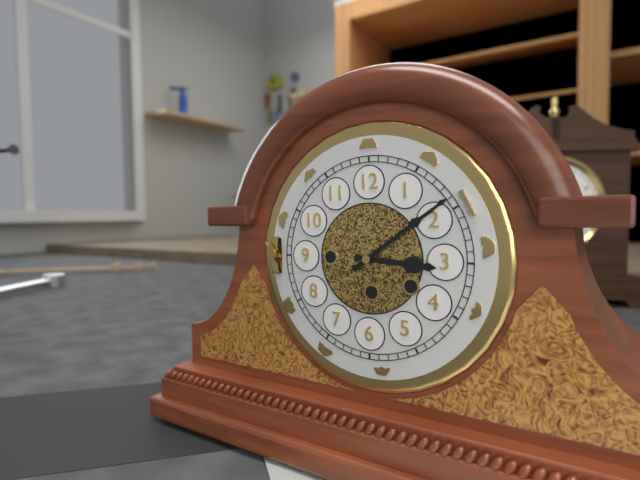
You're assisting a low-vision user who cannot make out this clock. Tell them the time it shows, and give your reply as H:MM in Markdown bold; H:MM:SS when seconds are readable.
**3:09**
